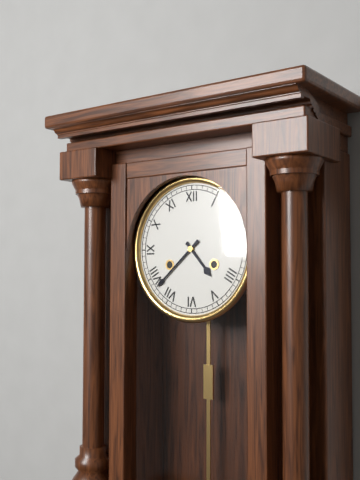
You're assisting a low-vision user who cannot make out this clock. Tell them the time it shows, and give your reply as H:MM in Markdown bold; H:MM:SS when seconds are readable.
**4:38**
